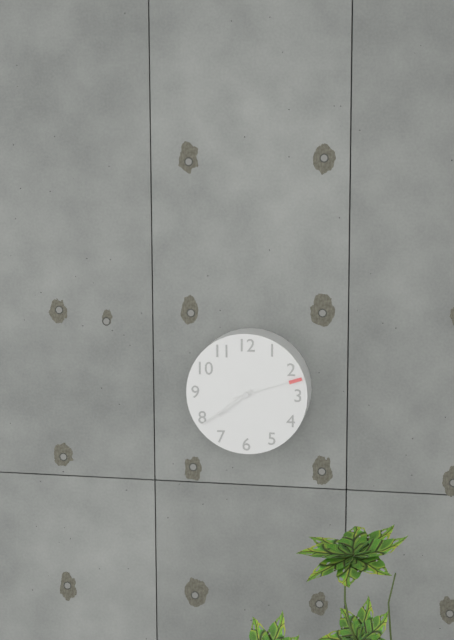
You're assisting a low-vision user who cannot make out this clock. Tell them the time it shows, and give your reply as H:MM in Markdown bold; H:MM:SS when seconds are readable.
**7:39:12**
